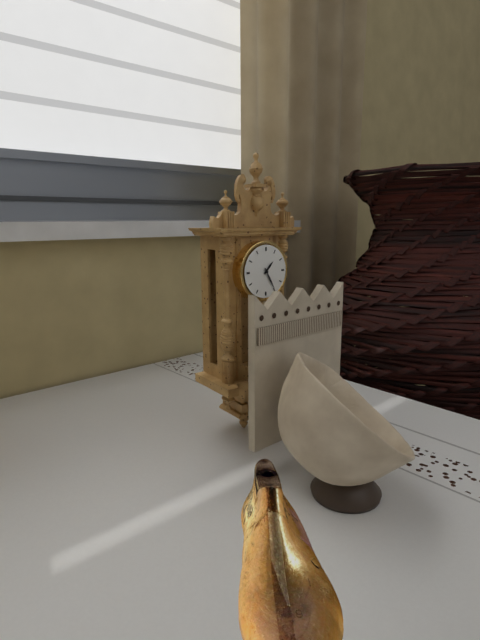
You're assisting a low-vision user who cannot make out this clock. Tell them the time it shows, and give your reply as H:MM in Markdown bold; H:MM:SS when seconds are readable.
**1:25**
